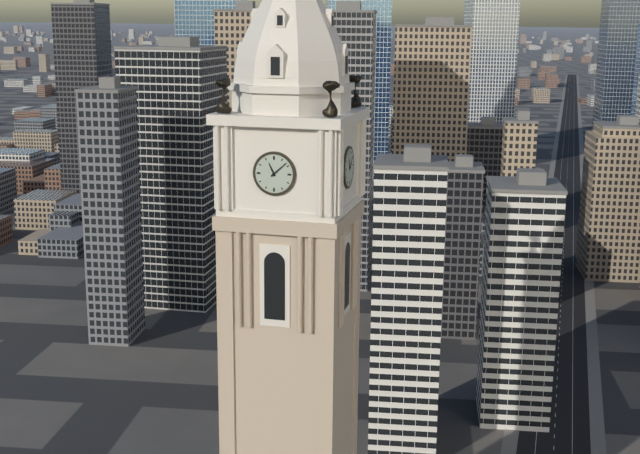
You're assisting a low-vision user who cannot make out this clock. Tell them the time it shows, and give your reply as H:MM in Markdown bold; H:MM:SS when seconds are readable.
**11:08**
